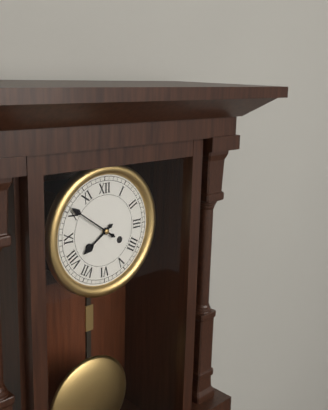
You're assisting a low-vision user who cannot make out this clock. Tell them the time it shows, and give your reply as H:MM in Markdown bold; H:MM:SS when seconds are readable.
**7:51**
